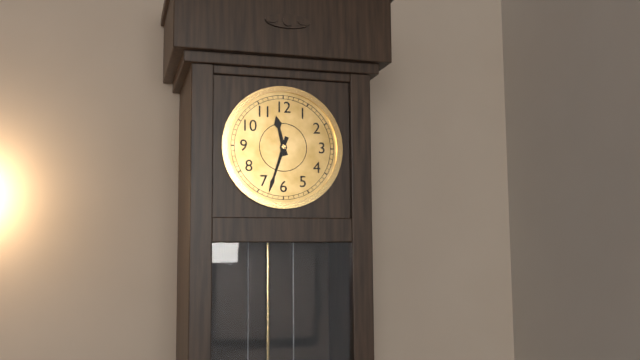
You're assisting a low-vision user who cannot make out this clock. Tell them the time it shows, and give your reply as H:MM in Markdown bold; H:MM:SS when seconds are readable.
**11:33**
